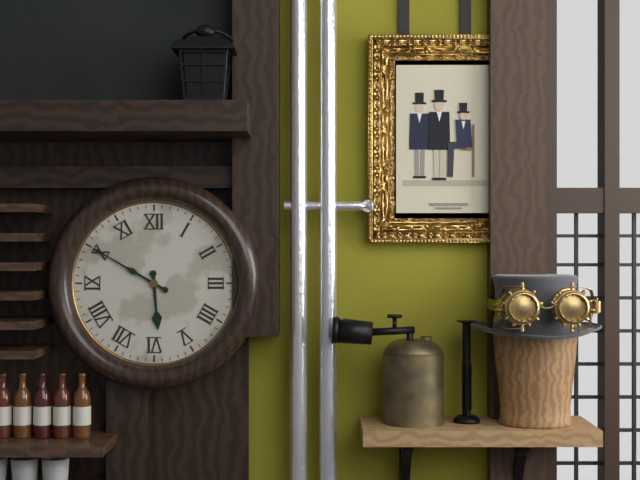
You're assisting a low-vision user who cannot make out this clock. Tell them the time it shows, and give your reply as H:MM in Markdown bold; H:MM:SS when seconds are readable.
**5:50**
